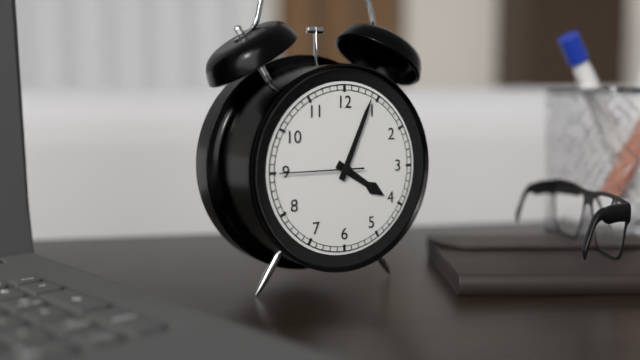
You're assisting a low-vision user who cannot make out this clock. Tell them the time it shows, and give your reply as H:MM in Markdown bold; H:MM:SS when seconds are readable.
**4:04:45**
